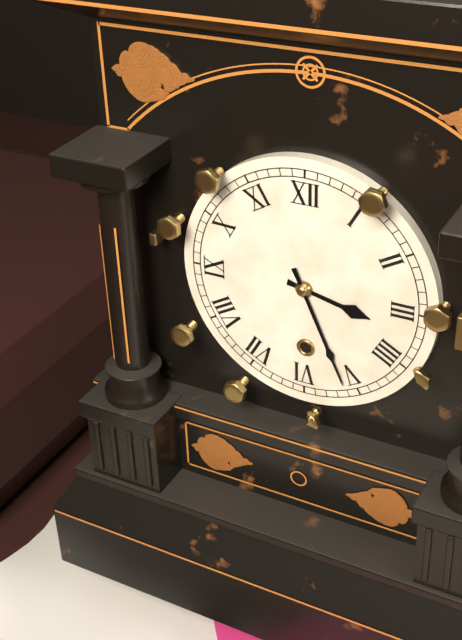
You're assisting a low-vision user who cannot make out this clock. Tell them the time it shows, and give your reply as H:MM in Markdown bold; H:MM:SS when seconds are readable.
**3:26**
